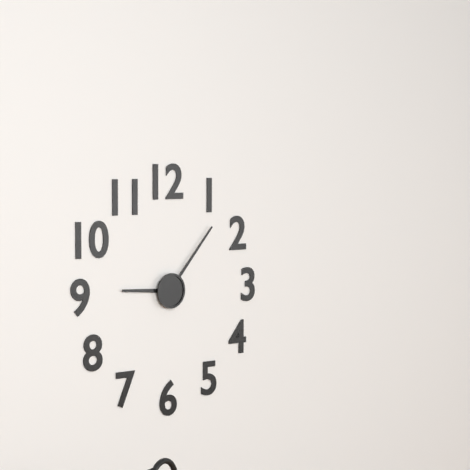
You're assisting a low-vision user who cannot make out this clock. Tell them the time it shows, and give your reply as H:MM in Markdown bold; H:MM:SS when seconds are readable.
**9:07**
